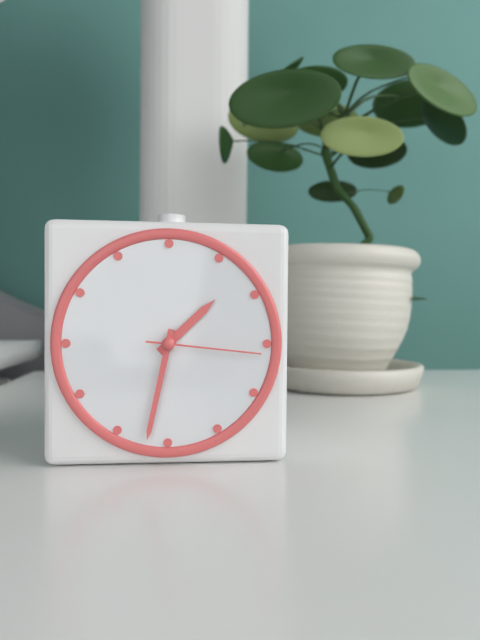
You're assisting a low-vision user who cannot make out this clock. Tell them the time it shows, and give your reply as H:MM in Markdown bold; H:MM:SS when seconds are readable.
**1:32:16**
